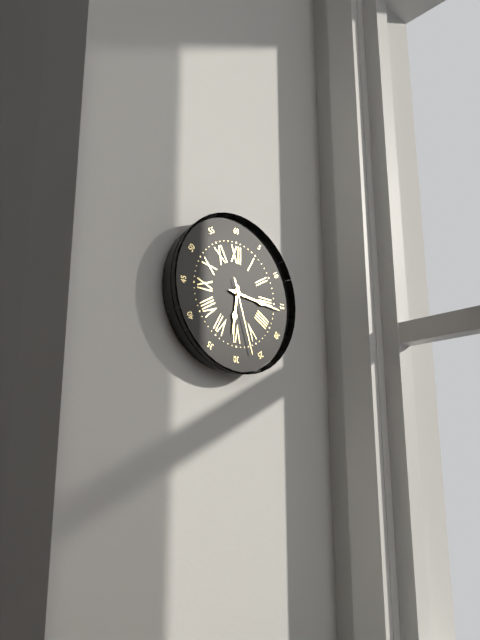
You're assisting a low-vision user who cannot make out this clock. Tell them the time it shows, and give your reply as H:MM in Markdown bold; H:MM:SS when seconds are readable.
**6:16:27**
